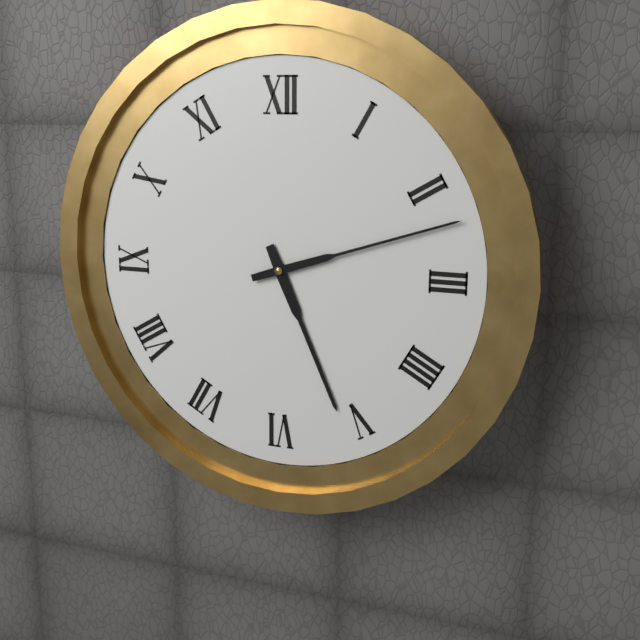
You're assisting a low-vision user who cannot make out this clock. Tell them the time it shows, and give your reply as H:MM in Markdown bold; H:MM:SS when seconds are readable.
**5:12**
